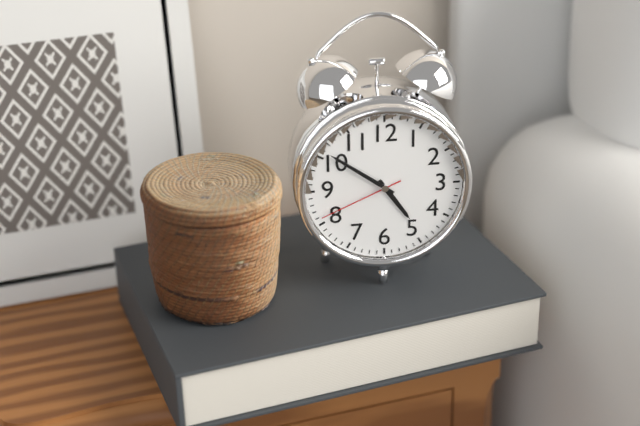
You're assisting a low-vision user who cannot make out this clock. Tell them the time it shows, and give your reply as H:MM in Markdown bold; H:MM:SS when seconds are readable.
**4:51:41**
